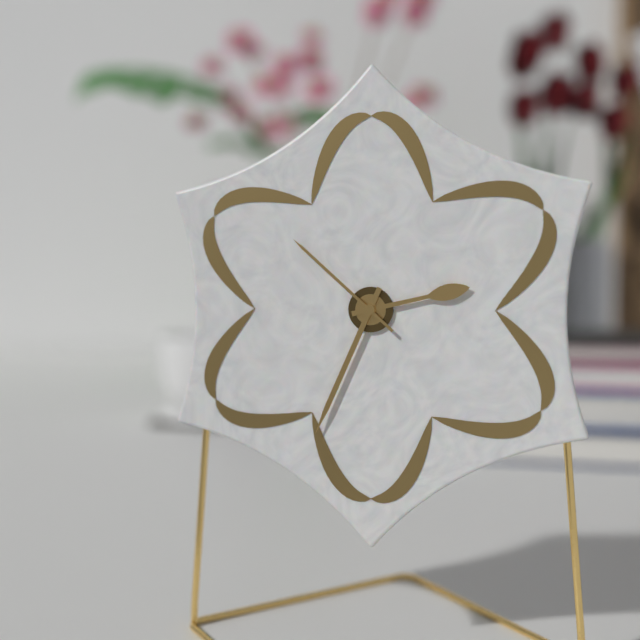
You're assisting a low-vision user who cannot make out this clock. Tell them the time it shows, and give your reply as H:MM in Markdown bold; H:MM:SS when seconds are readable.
**2:34:52**
